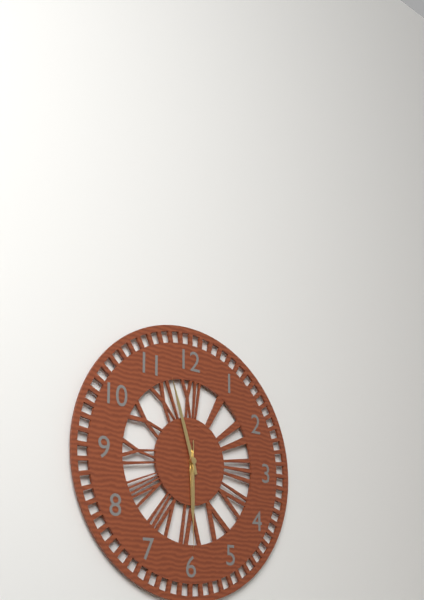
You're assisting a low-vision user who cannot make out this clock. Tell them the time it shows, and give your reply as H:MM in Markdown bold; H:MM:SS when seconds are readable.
**5:57:30**
